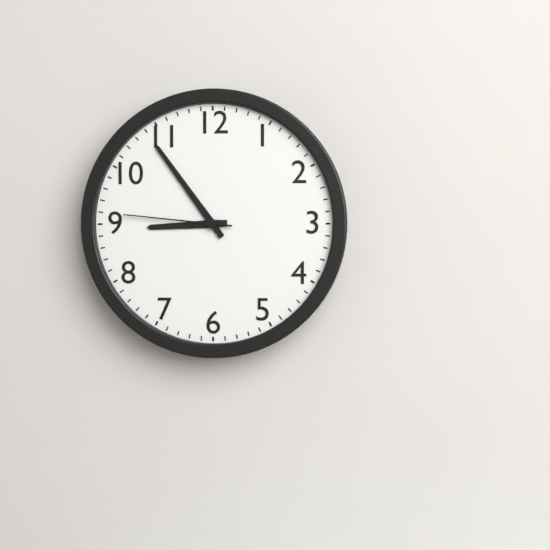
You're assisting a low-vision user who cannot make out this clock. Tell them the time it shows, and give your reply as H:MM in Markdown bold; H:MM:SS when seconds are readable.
**8:54:46**
